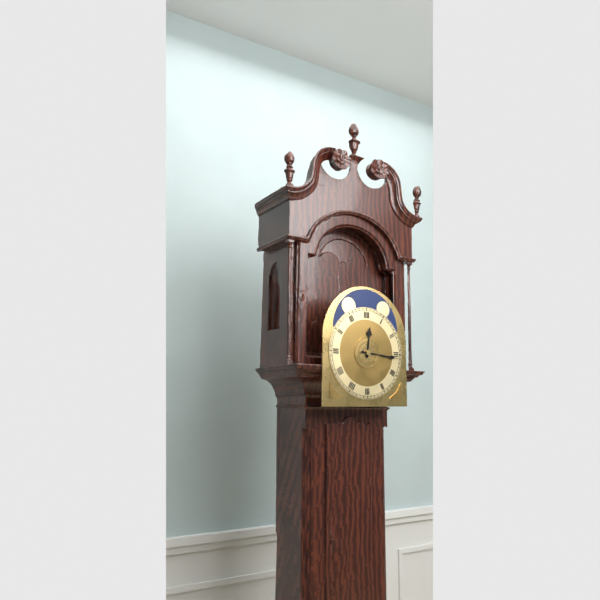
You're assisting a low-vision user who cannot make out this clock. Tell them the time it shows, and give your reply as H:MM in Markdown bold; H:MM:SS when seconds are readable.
**12:16**
